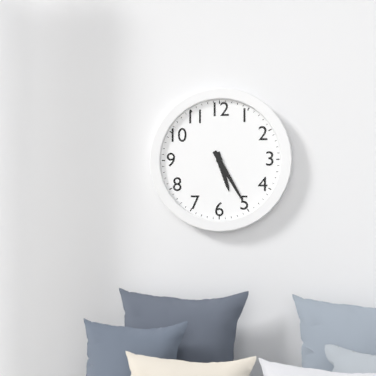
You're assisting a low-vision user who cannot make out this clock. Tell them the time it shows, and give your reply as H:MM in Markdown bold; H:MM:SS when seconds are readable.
**5:25**
